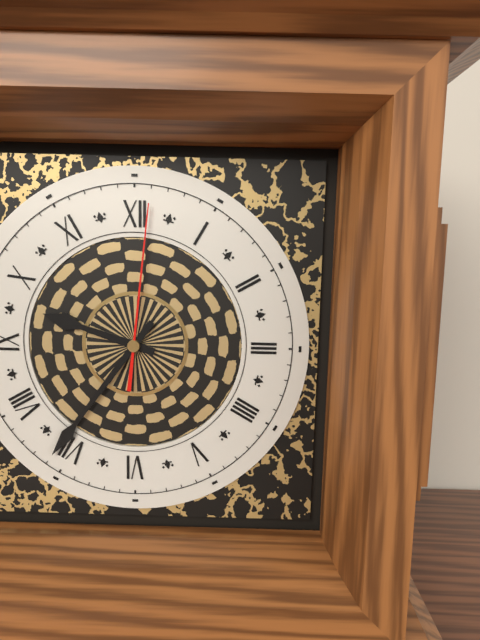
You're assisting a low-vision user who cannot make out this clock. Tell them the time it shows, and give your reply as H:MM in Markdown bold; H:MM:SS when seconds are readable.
**9:36:01**
